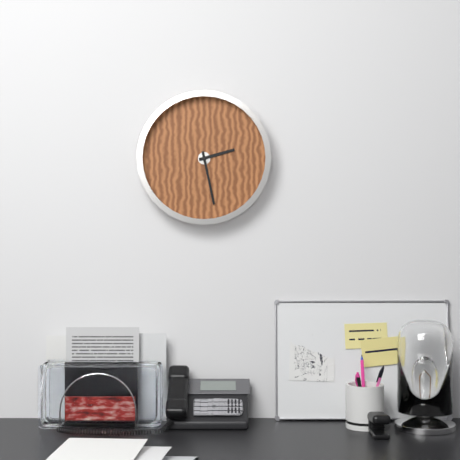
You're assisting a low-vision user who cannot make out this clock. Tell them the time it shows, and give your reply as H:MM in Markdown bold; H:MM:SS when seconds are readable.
**2:28**
